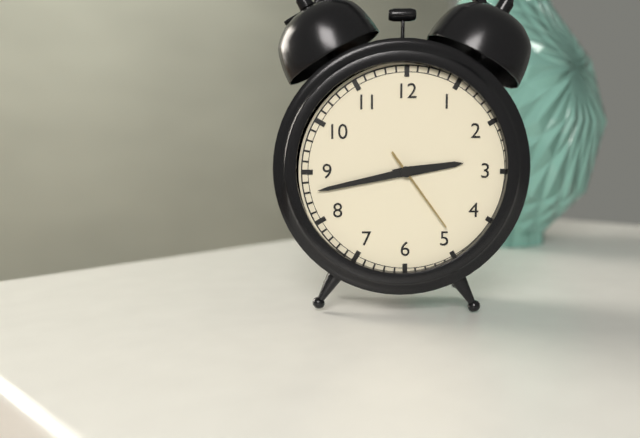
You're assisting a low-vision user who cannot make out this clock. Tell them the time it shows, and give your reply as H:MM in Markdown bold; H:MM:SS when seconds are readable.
**2:43:24**
